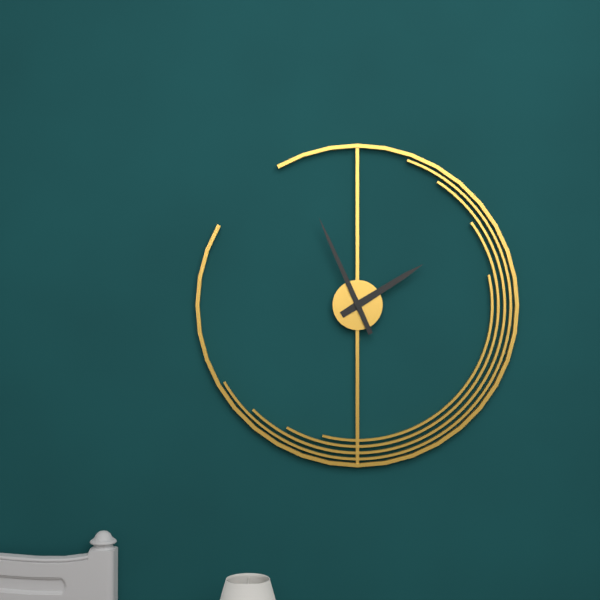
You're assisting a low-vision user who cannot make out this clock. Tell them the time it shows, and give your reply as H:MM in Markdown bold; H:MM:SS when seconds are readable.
**1:56**
